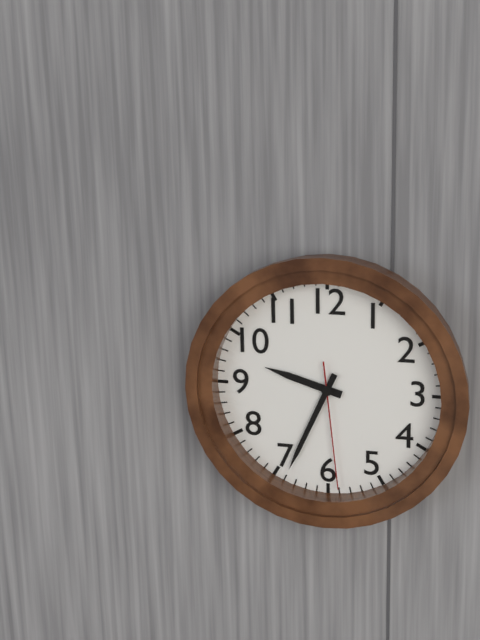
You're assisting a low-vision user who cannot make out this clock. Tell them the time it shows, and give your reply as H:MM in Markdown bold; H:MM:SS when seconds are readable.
**9:34:29**
